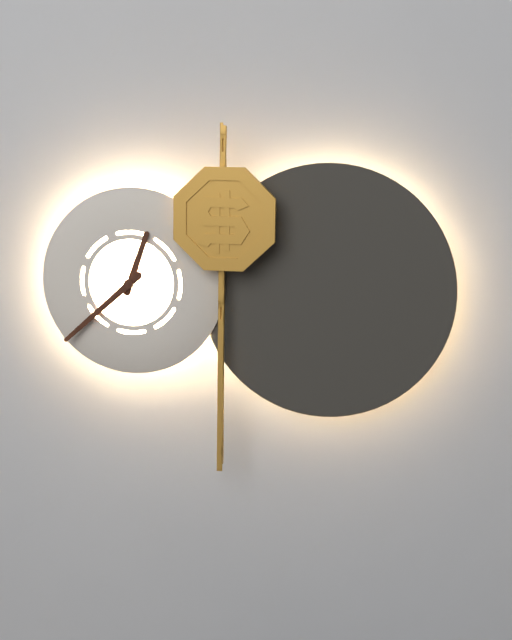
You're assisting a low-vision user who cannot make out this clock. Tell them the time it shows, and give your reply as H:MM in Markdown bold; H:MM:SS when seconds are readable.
**12:38**
